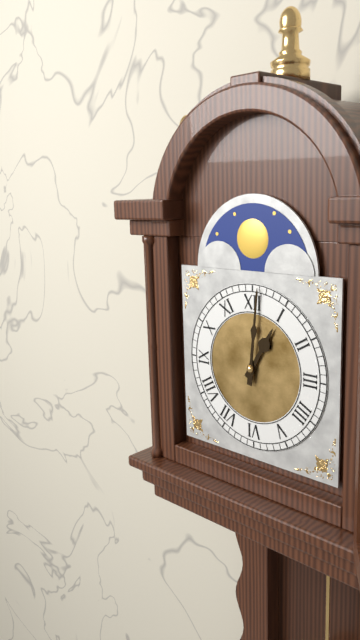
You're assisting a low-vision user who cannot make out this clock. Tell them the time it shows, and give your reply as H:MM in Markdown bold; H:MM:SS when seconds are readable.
**1:01**
